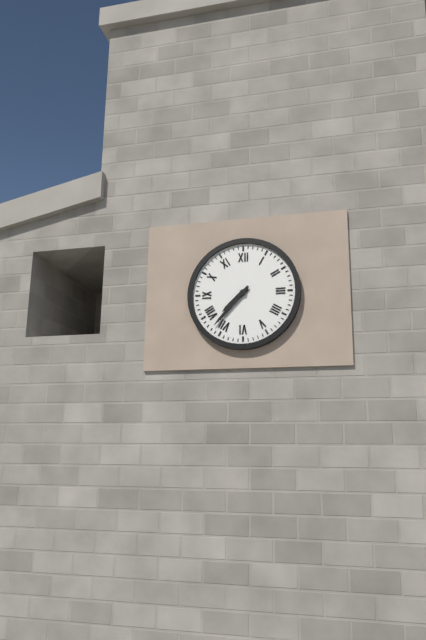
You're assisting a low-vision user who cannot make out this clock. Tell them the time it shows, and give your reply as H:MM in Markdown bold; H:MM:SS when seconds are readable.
**7:37**
